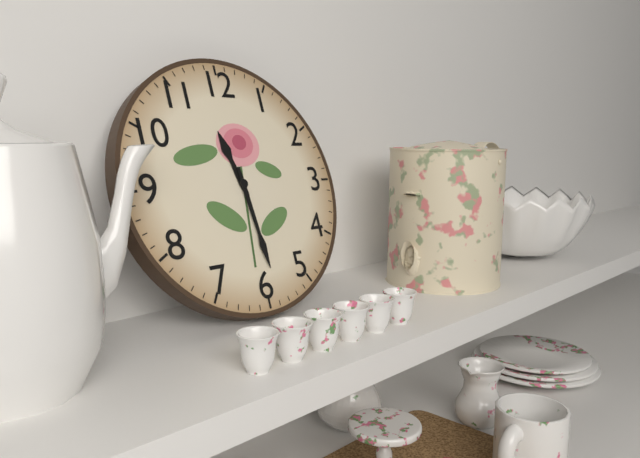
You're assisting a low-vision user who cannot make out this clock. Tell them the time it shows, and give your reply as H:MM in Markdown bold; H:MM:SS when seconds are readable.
**11:29**
